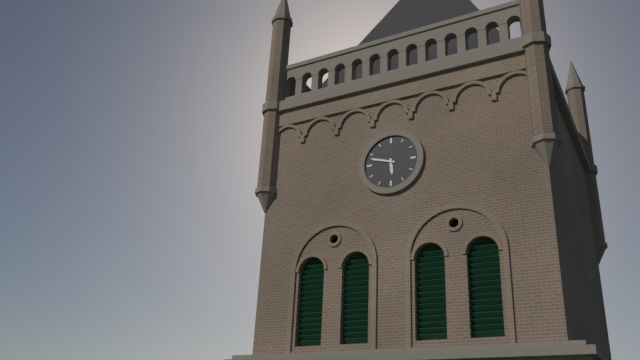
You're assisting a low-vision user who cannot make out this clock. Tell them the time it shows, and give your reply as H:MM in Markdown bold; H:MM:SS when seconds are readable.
**5:48**
